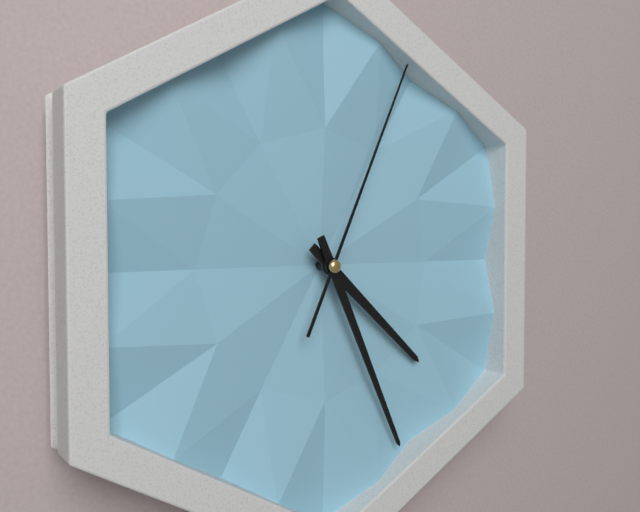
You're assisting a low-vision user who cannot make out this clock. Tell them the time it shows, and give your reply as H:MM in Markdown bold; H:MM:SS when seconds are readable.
**4:26:04**
